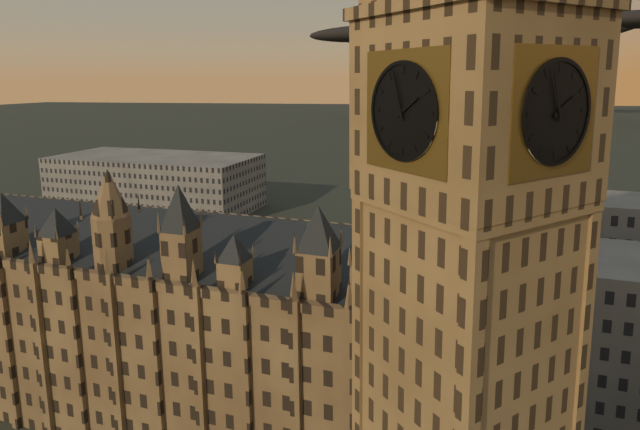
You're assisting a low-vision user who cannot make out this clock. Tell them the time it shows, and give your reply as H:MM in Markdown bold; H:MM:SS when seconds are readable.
**1:57**
